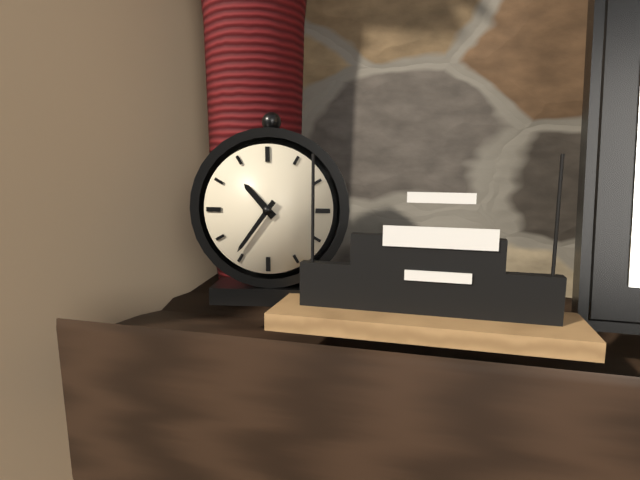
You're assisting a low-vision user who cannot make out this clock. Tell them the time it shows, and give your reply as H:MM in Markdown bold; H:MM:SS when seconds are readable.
**10:36**
